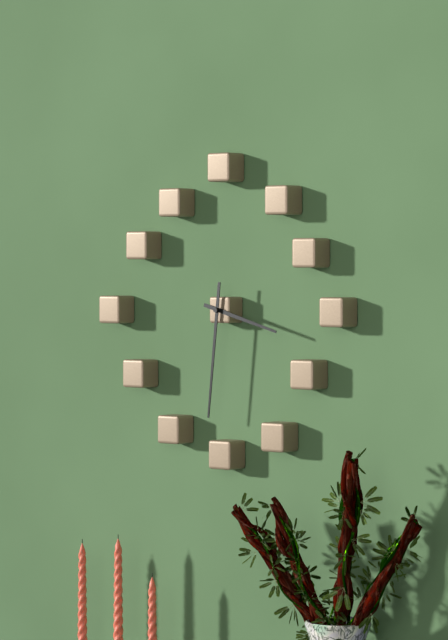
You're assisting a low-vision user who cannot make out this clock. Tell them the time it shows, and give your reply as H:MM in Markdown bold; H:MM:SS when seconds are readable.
**3:31**
